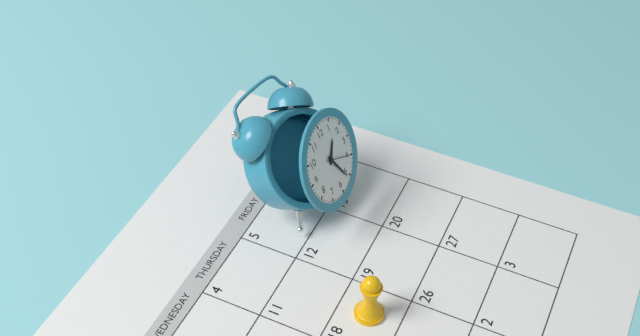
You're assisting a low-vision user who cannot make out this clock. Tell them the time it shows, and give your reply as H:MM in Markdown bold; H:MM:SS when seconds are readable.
**1:26:20**
